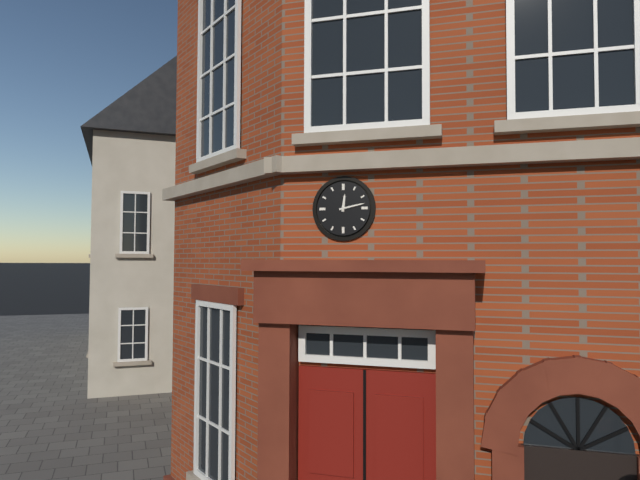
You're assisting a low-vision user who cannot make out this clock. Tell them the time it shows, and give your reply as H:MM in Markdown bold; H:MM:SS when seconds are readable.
**12:13**
